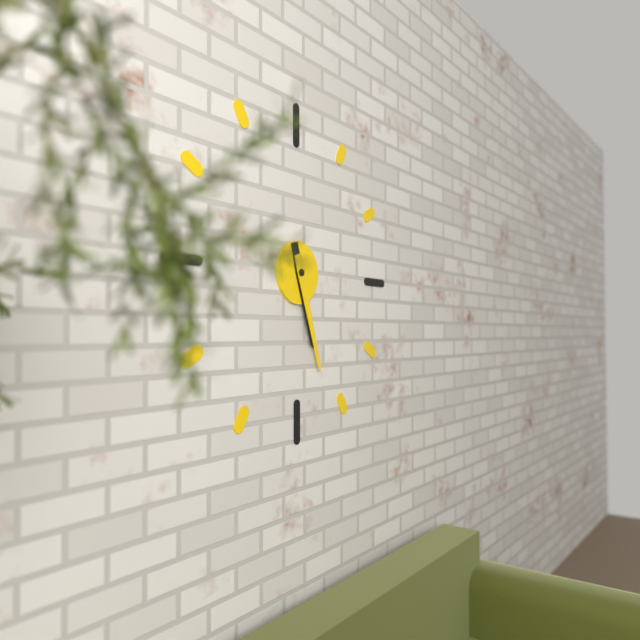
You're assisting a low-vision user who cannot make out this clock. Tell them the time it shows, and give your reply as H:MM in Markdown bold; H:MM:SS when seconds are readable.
**5:27**
